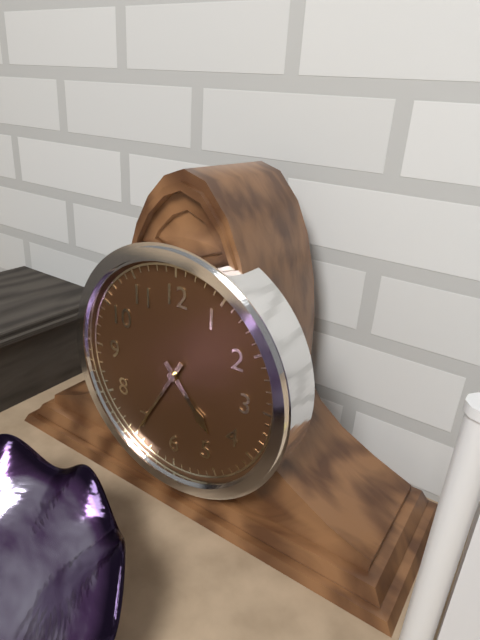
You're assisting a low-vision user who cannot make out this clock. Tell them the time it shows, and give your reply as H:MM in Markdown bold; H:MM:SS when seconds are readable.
**4:35**
